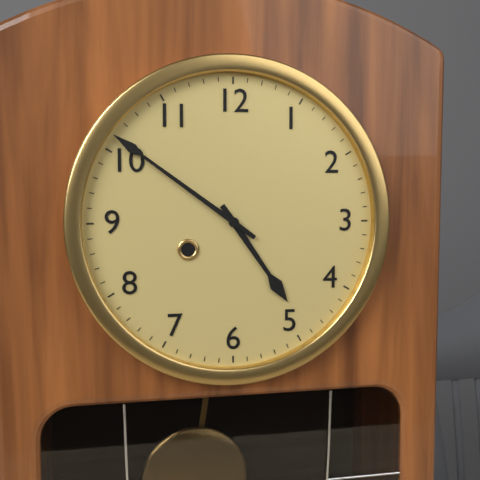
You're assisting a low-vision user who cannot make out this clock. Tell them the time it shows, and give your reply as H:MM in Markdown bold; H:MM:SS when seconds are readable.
**4:51**
